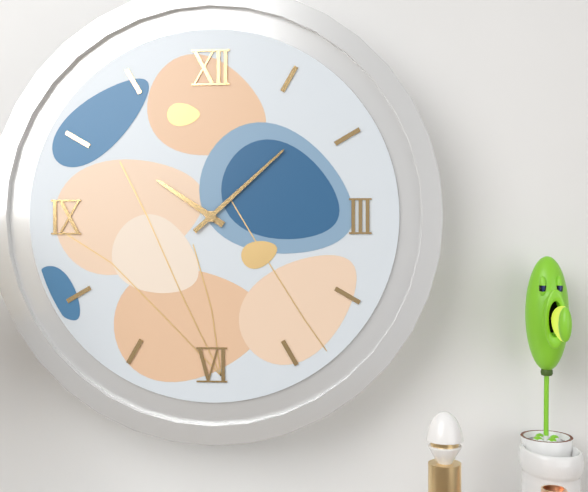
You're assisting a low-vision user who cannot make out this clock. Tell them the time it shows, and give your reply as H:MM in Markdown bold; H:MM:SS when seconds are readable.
**10:08**
